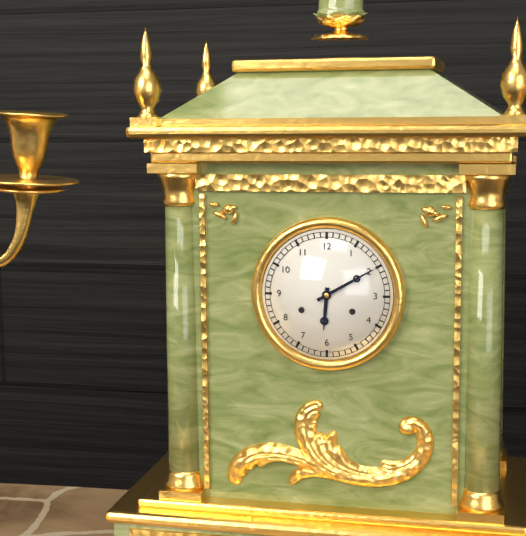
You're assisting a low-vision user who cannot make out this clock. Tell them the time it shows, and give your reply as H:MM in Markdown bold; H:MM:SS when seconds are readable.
**6:10**
